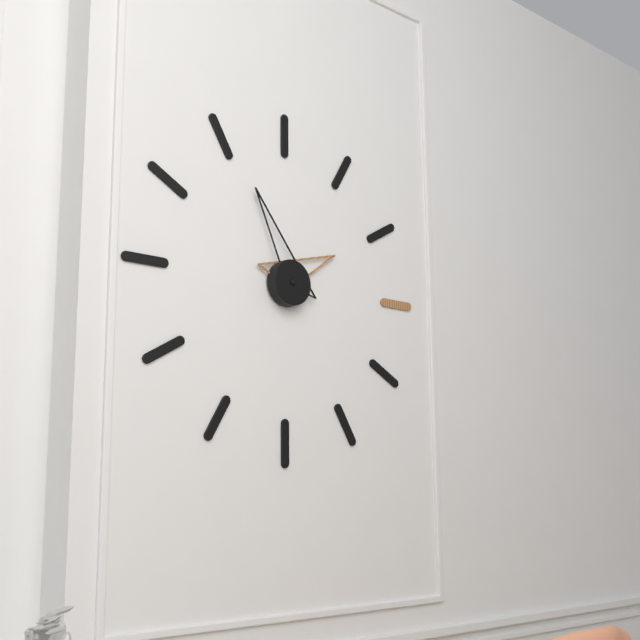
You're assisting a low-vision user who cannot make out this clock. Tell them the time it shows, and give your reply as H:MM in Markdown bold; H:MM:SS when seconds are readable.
**1:56**
